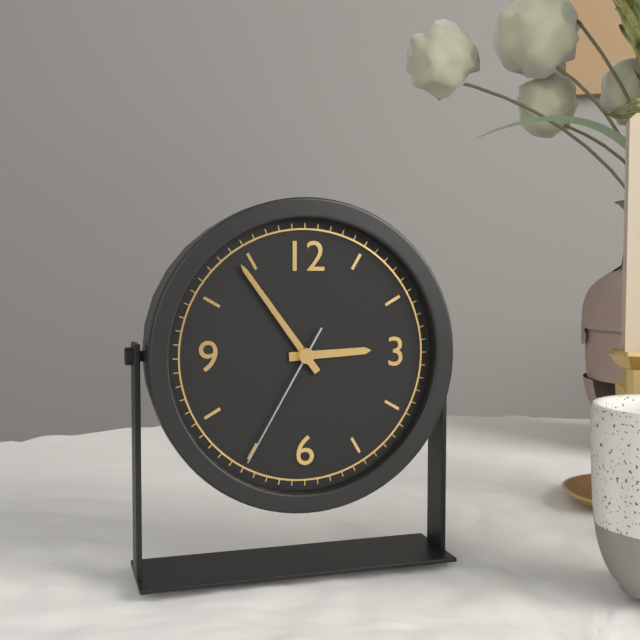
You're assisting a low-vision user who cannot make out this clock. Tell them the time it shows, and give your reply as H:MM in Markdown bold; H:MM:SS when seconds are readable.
**2:54:35**
